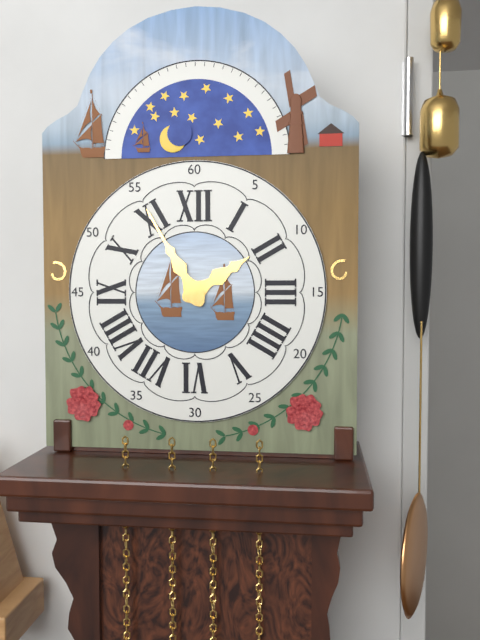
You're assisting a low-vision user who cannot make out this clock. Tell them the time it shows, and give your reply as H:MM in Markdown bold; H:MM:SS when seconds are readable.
**1:55**
